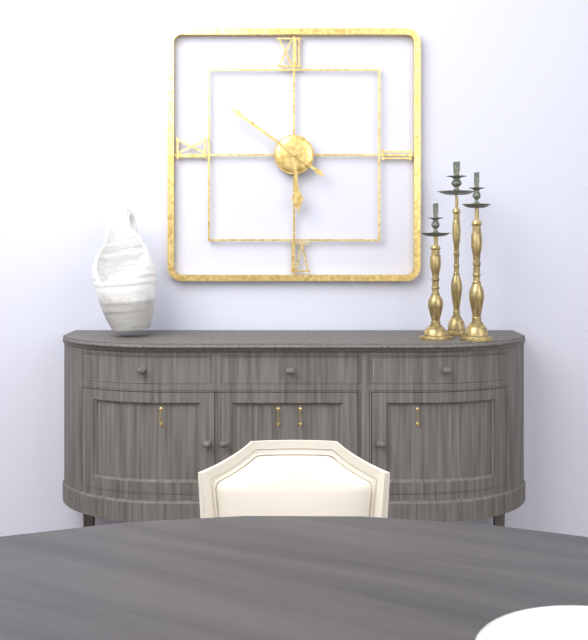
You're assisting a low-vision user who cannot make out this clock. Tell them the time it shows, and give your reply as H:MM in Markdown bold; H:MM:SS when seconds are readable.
**5:51**
